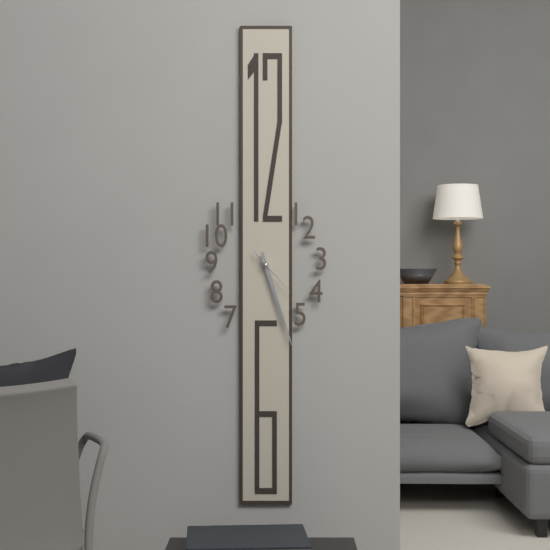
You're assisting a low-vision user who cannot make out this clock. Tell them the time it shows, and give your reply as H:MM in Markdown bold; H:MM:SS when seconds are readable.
**5:27**
